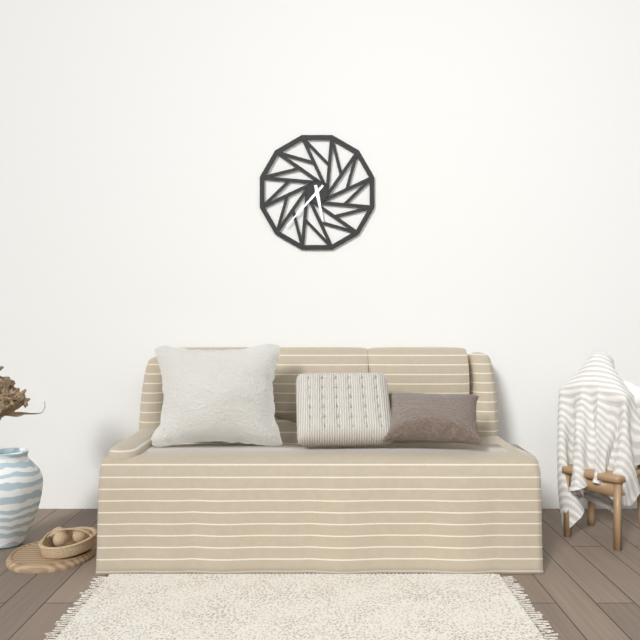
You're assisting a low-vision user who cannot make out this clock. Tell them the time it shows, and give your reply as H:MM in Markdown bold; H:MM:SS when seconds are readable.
**5:37**
